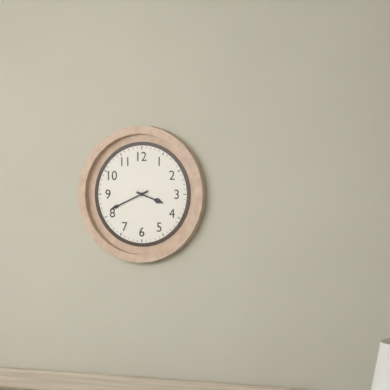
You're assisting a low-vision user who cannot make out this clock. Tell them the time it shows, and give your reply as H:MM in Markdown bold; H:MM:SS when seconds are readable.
**3:41**
